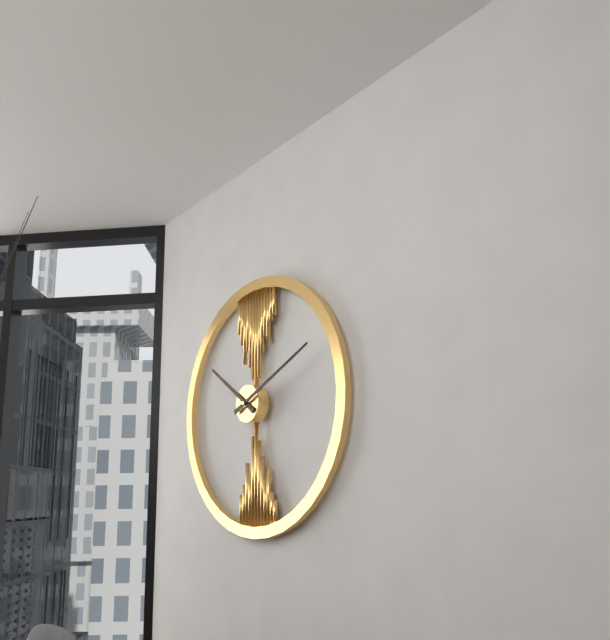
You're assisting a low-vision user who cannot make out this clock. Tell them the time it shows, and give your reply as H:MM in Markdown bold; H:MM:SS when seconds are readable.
**10:11**
